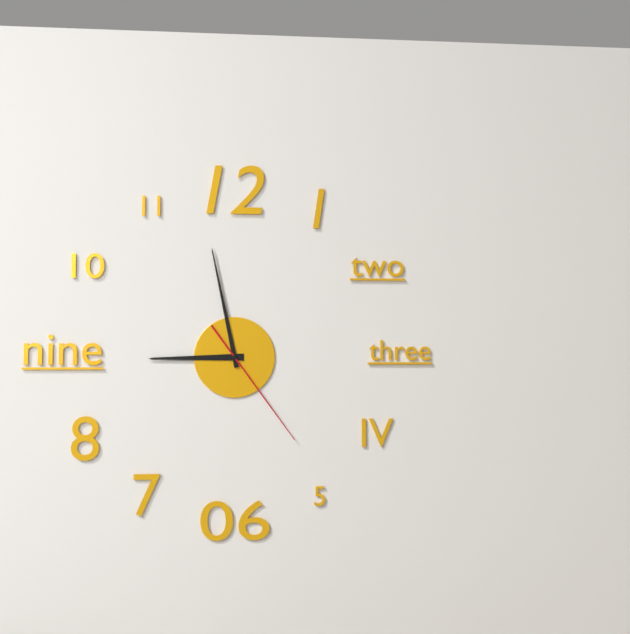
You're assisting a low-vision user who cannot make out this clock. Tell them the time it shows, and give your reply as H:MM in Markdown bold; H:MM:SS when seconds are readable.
**8:58:24**
